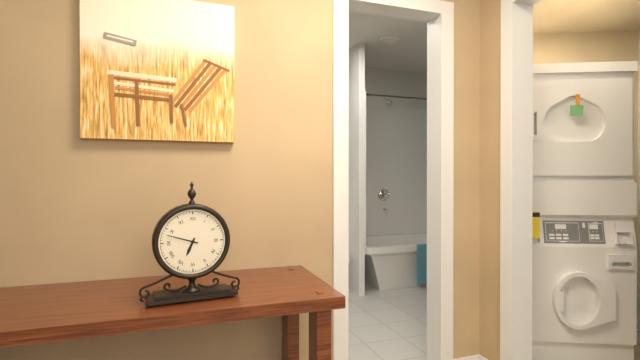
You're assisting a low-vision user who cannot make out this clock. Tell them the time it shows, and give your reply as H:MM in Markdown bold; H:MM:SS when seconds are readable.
**6:48**
